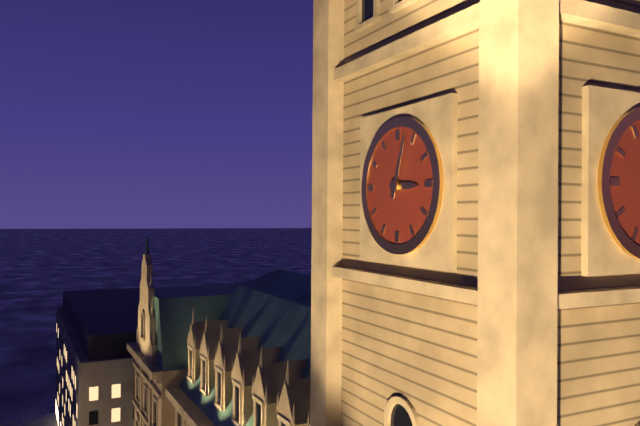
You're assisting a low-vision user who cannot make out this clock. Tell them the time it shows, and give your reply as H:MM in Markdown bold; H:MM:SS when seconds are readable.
**3:03**
